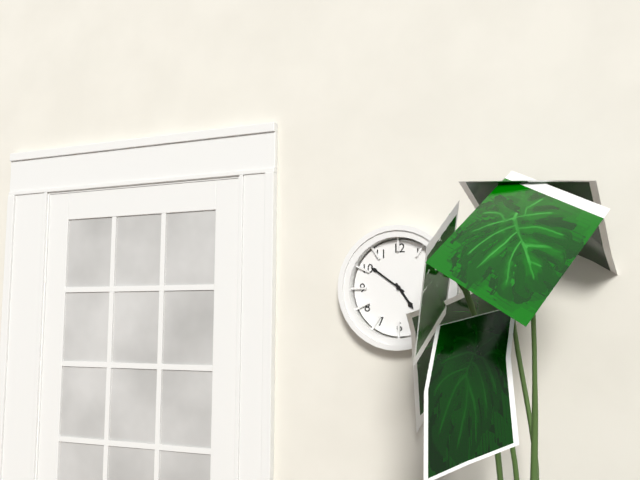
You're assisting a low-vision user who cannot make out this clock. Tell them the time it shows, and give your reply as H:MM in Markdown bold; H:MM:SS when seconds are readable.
**4:51**
